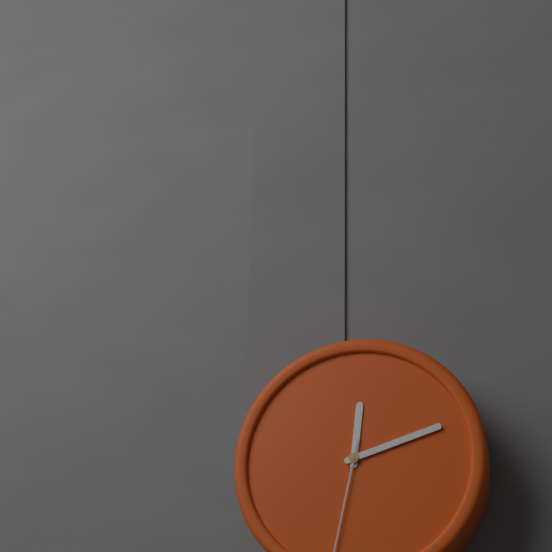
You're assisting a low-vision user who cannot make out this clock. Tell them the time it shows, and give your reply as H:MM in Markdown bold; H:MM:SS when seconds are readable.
**12:12**
